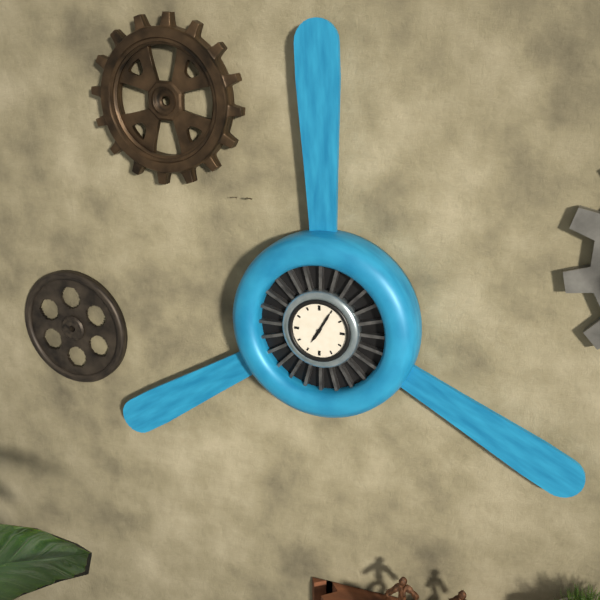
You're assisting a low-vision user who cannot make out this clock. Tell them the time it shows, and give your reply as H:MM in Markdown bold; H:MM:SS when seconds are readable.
**7:05**
